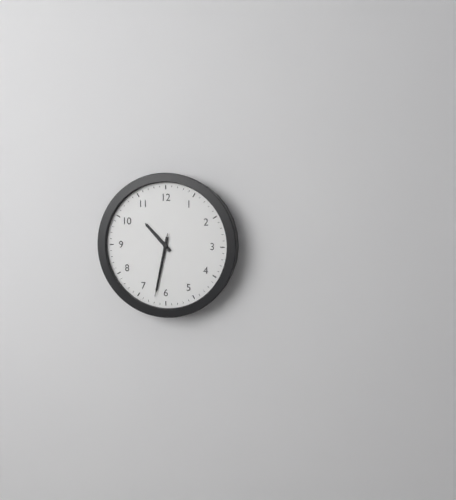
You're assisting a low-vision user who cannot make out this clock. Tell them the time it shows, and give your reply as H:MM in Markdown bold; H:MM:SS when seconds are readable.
**10:32:32**
